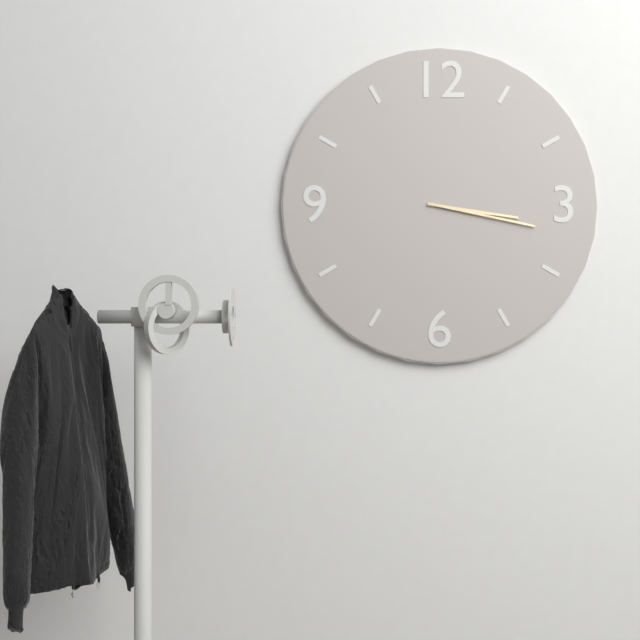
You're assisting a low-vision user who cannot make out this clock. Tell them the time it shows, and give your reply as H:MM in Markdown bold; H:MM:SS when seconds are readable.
**3:17**
